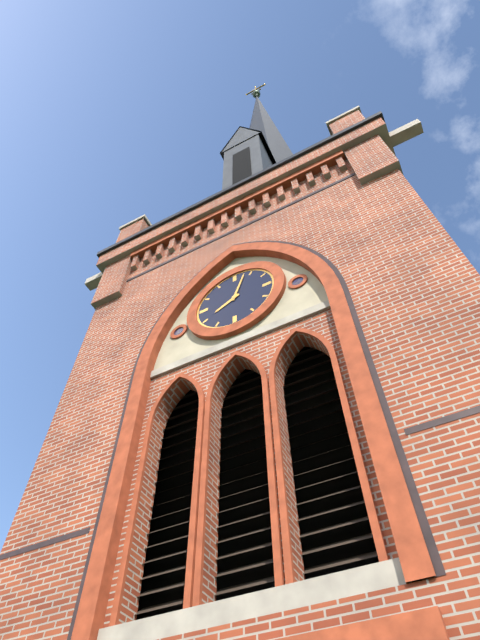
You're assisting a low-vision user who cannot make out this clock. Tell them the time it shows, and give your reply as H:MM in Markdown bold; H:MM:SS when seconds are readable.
**8:03**
